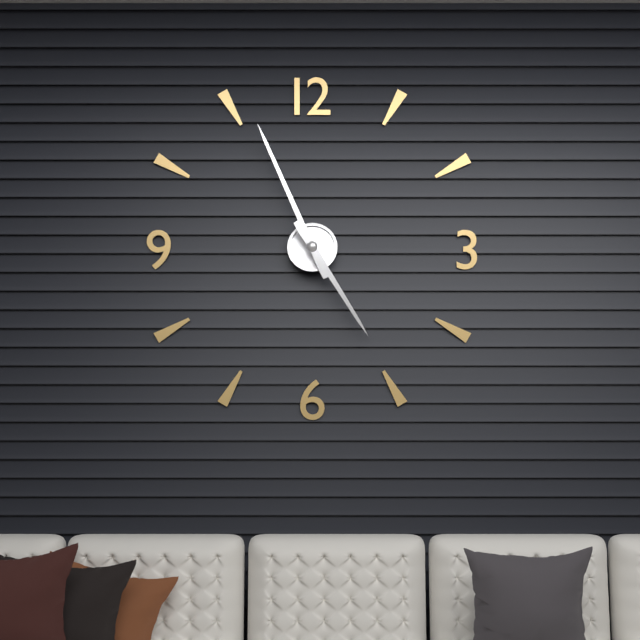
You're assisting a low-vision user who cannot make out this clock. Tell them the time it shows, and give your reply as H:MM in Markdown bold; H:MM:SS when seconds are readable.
**4:56**
